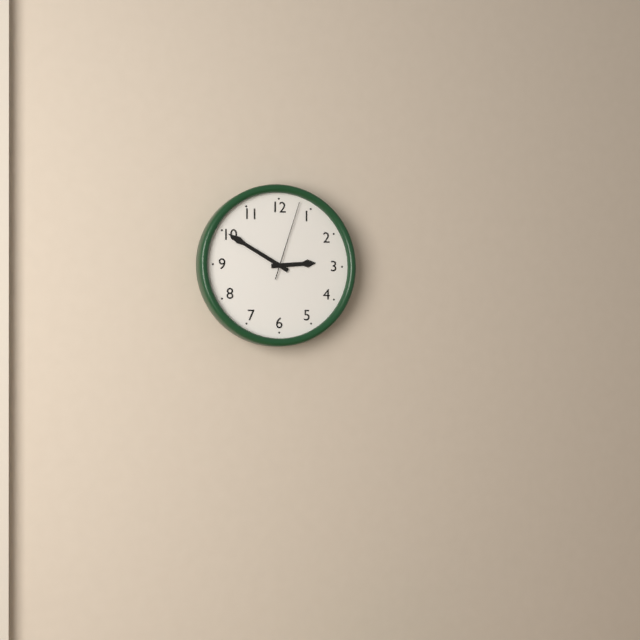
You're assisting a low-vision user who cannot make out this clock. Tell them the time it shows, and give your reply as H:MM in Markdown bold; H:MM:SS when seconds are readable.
**2:50:03**
